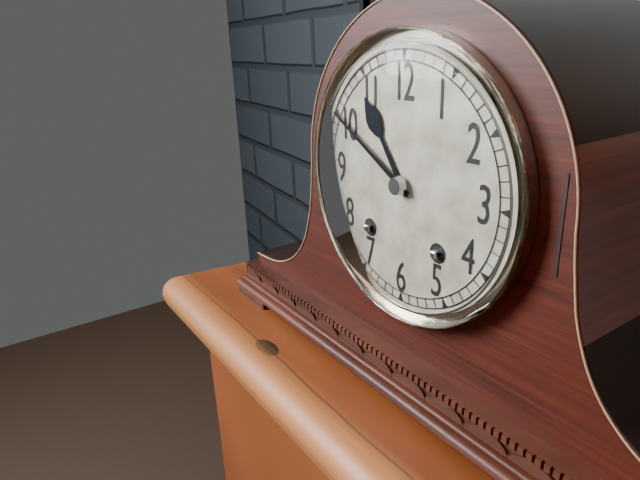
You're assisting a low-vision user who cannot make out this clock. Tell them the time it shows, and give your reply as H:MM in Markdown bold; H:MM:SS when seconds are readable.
**10:50**
